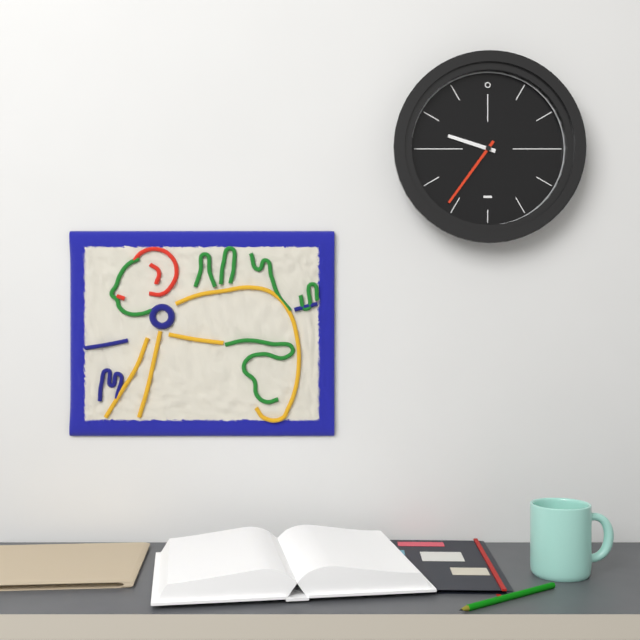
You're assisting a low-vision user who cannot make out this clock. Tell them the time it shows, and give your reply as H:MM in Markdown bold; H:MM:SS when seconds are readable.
**9:36**
